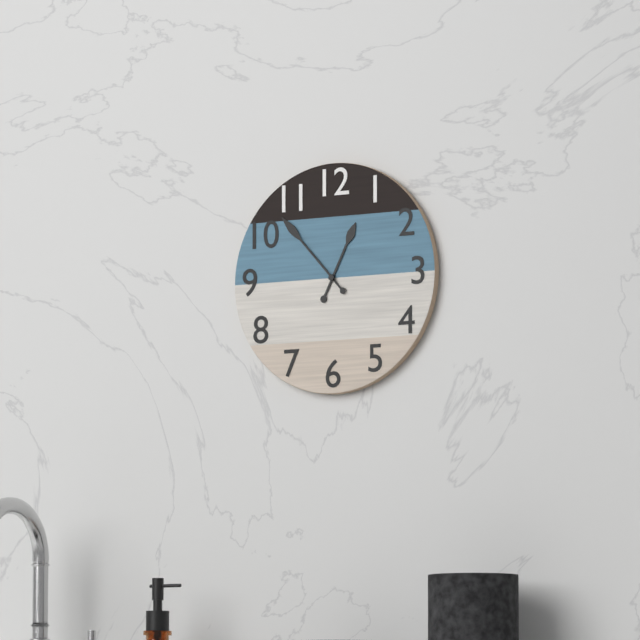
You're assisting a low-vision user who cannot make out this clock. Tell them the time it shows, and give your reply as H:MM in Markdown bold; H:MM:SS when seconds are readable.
**12:53**
